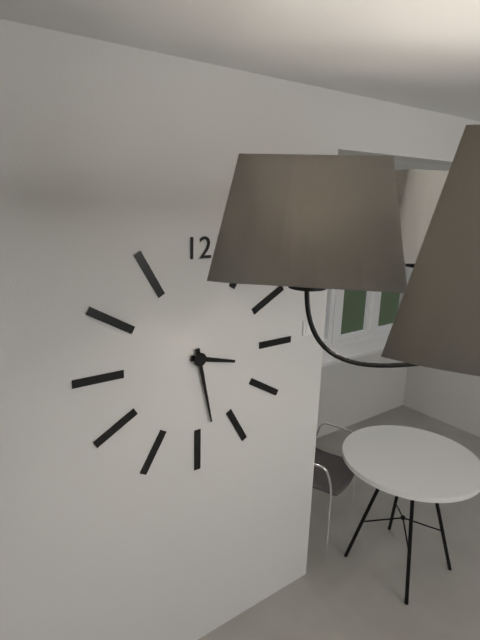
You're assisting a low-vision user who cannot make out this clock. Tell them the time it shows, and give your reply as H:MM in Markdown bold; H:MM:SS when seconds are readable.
**3:28**
